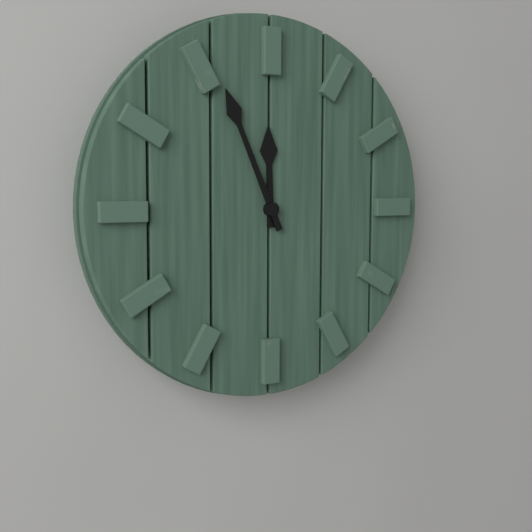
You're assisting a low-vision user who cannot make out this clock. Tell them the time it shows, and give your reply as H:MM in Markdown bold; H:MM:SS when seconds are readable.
**11:56**
